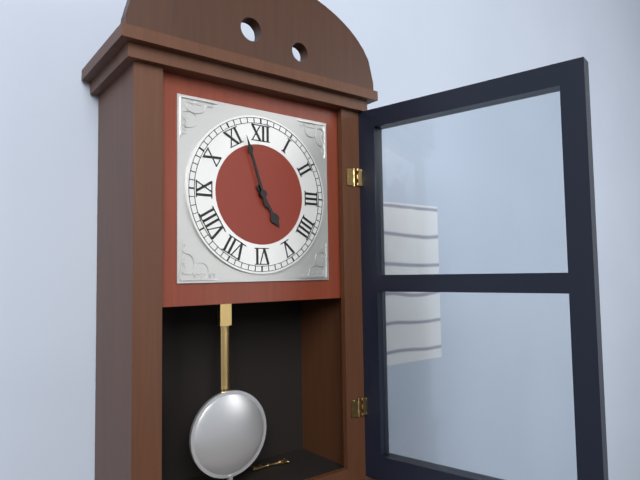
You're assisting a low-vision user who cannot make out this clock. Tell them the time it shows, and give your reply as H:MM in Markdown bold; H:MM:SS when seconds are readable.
**4:57**
